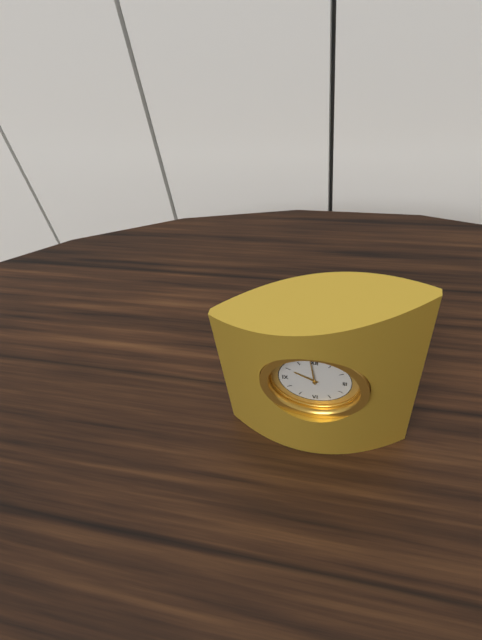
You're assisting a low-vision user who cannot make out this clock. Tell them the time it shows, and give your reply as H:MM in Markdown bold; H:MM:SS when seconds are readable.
**9:59**
